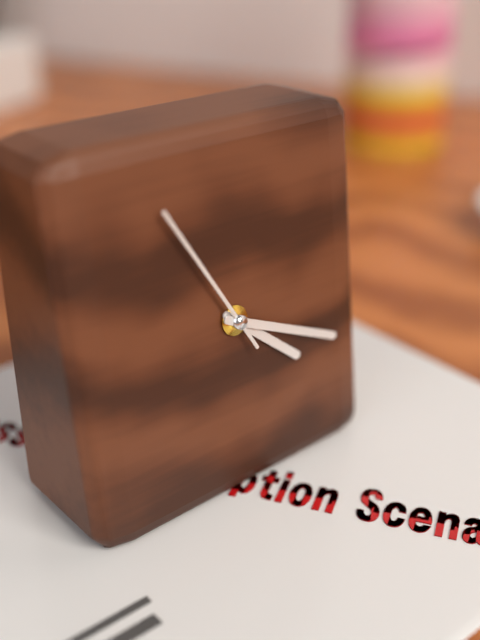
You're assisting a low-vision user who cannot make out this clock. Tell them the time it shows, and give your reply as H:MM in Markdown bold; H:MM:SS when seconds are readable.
**4:19:55**
